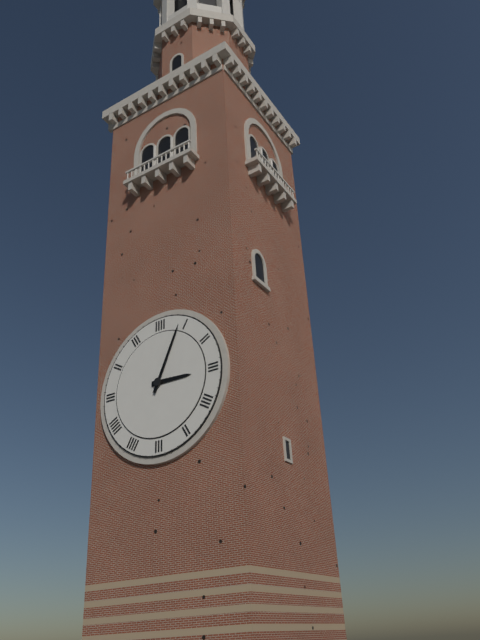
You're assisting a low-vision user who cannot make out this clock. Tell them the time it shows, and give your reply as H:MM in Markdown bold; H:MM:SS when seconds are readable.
**3:04**
